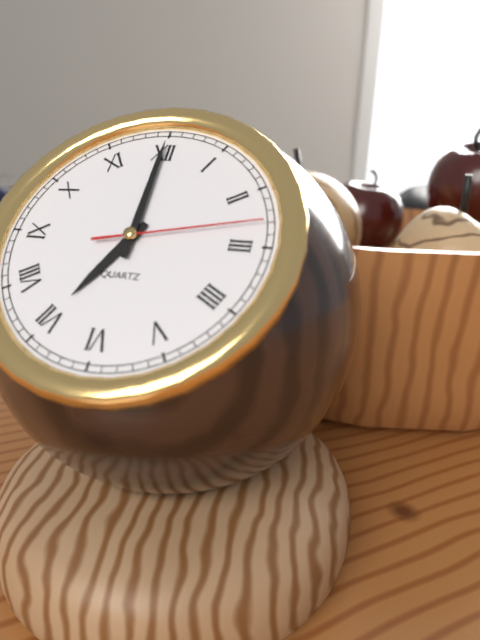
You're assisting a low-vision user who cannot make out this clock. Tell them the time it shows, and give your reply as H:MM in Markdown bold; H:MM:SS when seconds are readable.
**7:00:13**
